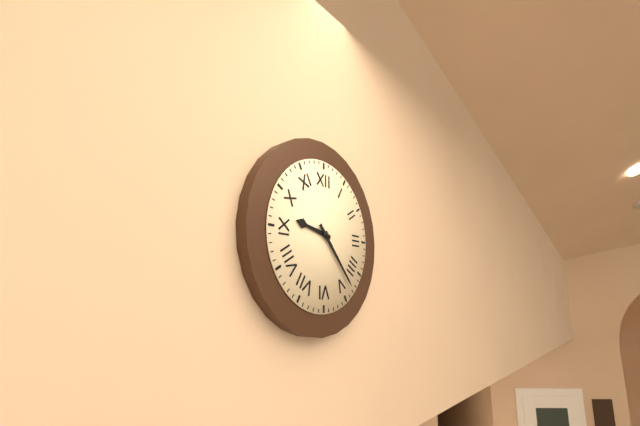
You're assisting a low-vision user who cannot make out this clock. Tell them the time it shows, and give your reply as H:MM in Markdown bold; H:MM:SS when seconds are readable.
**9:23**
